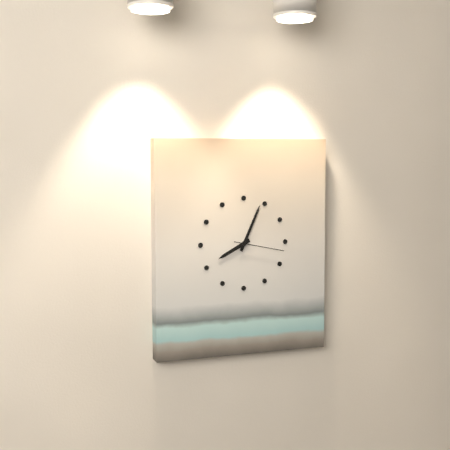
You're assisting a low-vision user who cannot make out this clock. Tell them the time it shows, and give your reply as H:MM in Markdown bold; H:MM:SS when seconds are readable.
**8:04:17**
